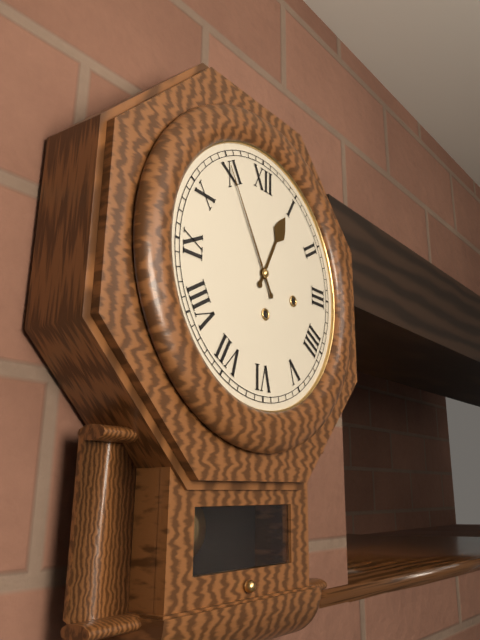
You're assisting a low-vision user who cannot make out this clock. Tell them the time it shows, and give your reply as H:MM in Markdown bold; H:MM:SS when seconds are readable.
**12:55**
